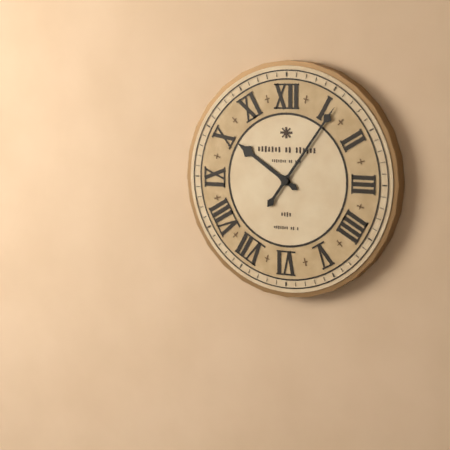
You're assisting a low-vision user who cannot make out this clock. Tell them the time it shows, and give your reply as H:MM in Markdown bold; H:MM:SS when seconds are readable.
**10:06**
